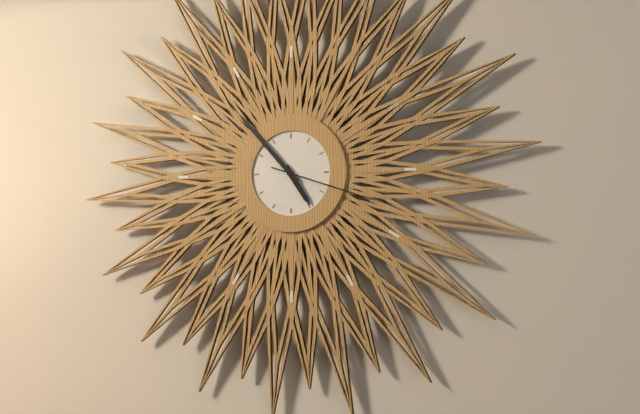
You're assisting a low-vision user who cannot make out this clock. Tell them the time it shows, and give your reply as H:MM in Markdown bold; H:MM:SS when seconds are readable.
**4:53:18**
